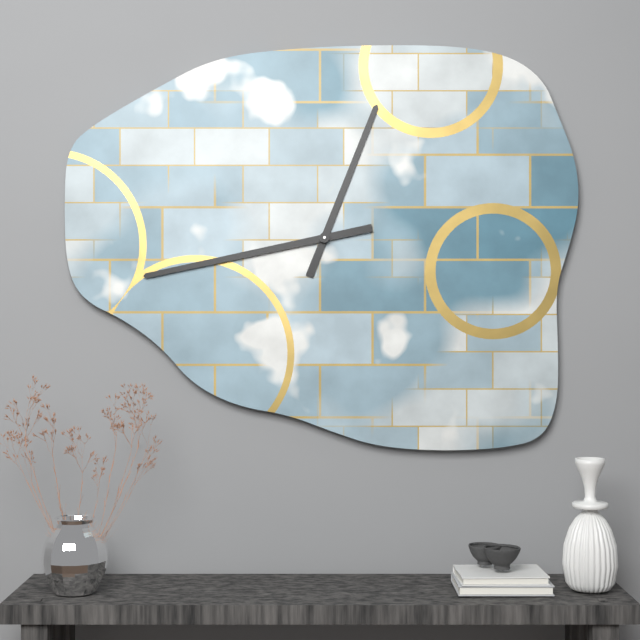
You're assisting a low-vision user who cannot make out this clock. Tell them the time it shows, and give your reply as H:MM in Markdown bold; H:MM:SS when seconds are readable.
**12:43**
